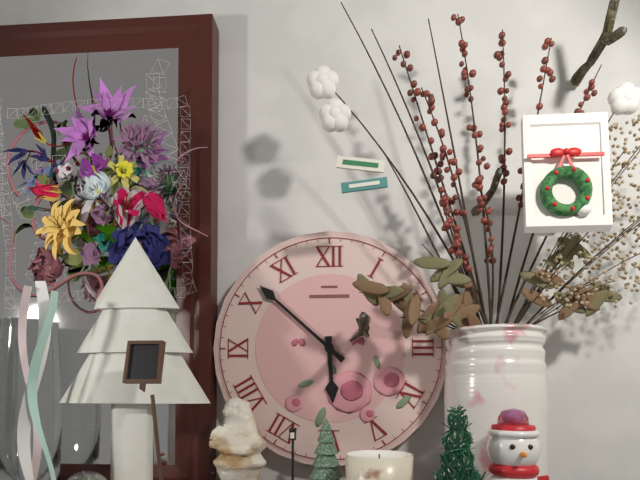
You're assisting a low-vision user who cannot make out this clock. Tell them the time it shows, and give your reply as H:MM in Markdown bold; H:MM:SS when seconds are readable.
**5:52**
